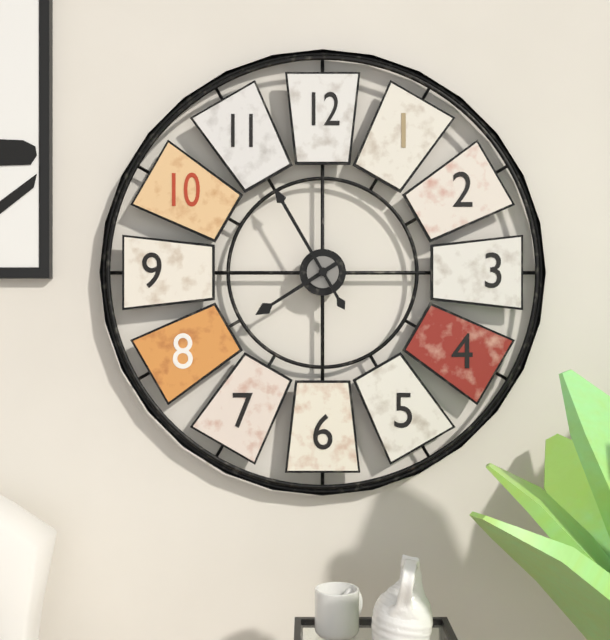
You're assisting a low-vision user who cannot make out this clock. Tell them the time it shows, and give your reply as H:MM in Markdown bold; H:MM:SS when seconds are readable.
**7:55**
